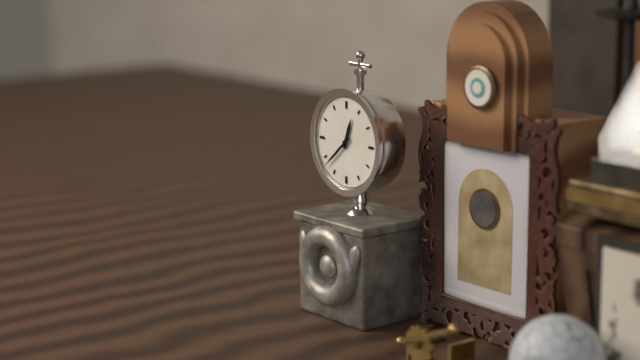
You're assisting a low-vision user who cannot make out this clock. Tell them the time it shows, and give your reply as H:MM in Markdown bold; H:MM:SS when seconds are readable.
**12:38**
